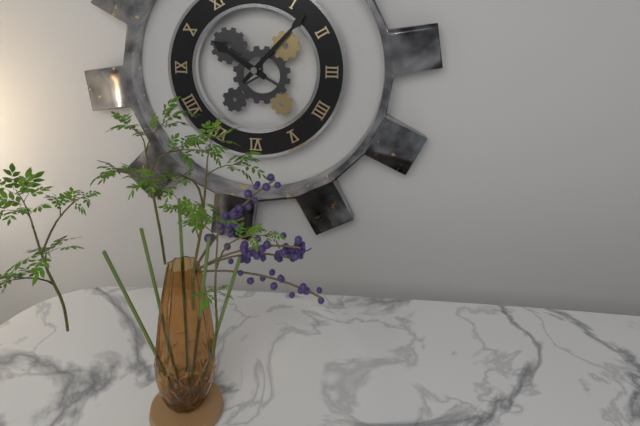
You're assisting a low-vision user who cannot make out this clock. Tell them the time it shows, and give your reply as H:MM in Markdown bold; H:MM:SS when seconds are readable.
**10:07**
